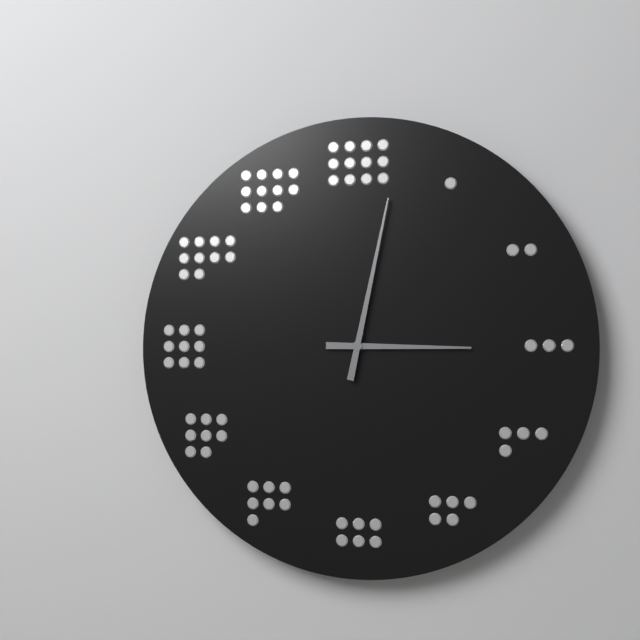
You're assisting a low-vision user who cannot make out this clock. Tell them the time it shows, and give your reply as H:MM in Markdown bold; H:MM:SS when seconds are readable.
**3:02**
